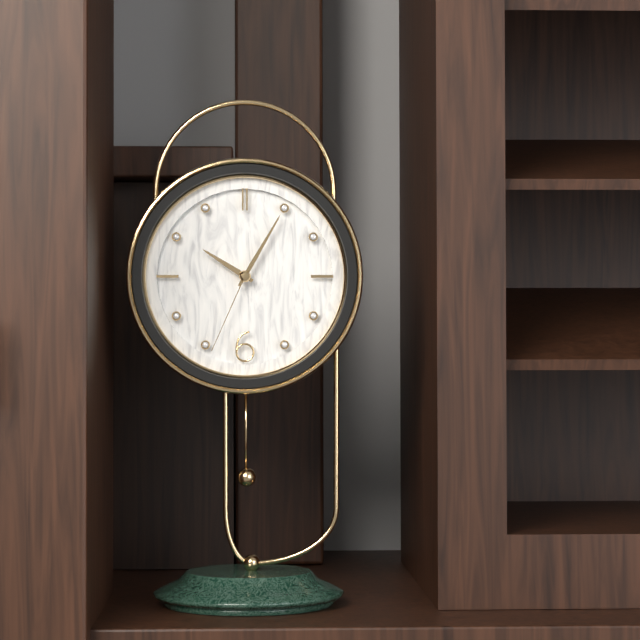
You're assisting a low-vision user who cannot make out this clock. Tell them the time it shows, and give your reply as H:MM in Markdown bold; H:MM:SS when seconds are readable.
**10:05:34**
